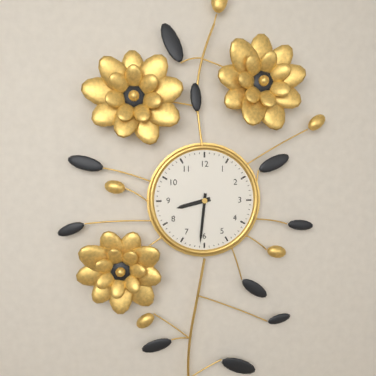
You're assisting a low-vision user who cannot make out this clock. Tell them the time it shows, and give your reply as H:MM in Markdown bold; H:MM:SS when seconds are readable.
**8:31**
